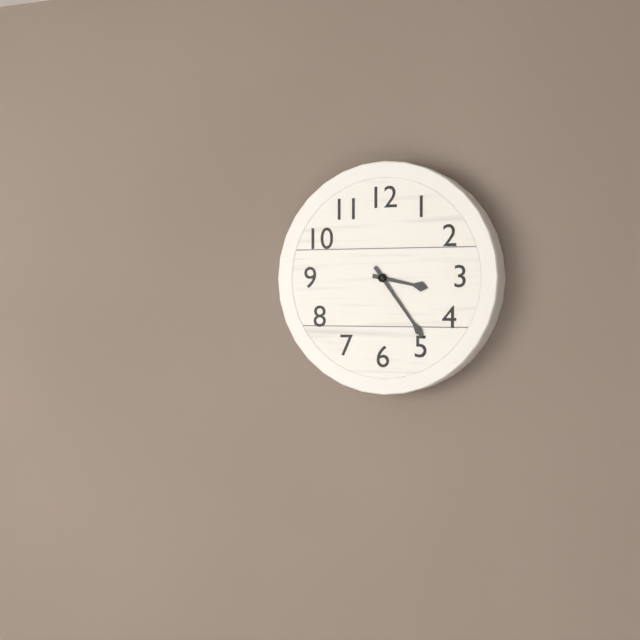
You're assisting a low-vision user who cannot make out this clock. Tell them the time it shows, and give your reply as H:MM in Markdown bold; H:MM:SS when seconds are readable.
**3:24**
